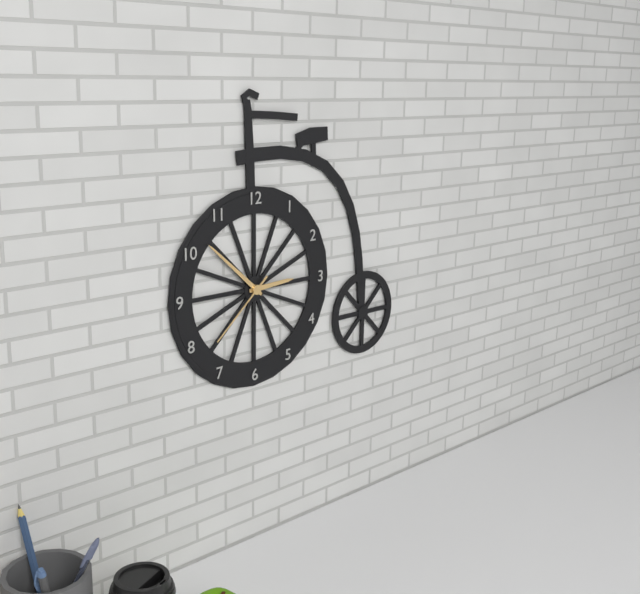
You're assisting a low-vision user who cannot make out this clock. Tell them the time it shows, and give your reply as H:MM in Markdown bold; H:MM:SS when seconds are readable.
**2:52:38**
